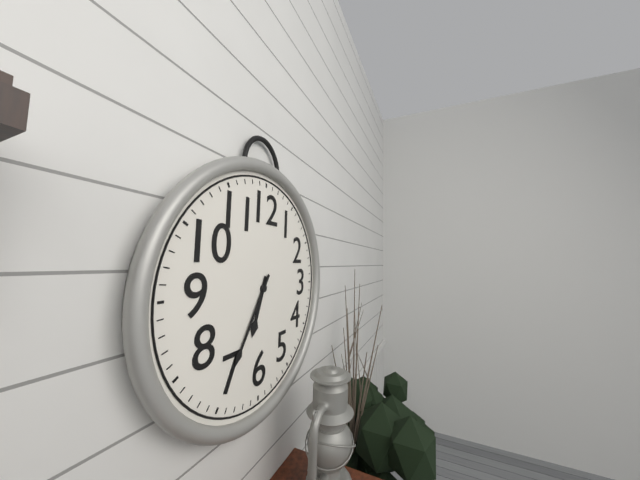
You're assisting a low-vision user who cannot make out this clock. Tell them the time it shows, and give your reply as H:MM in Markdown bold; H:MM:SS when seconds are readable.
**6:35**
